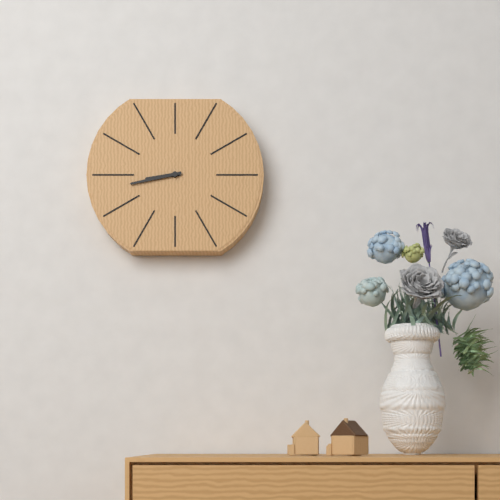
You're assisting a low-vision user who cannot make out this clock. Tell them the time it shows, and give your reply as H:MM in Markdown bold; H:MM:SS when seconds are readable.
**8:43**
